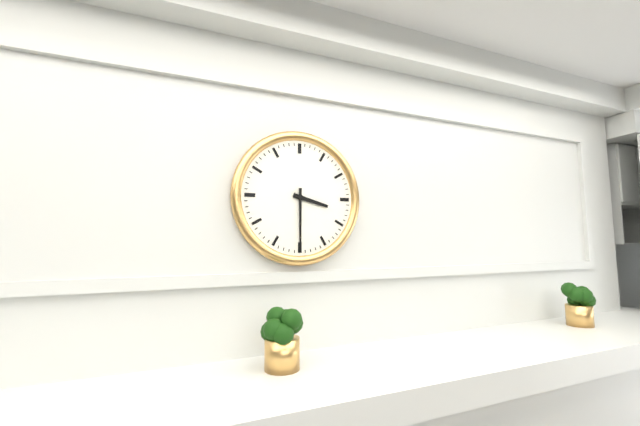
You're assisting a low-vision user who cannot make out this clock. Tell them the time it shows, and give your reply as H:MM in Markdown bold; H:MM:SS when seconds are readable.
**3:30**
